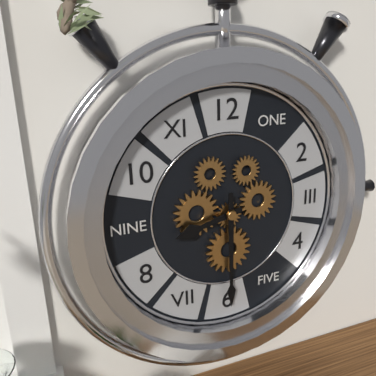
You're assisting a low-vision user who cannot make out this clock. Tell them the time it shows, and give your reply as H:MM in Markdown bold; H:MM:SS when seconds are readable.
**8:30**
